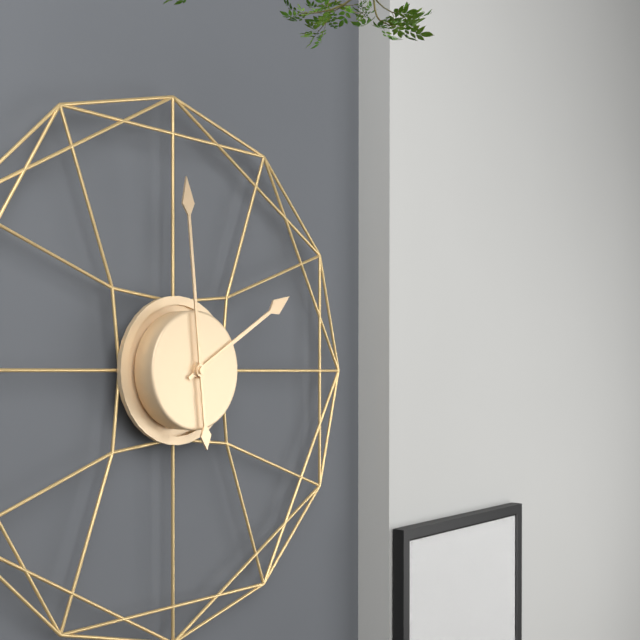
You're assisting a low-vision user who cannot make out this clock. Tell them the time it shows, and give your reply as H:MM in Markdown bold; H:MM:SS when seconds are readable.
**1:59**
